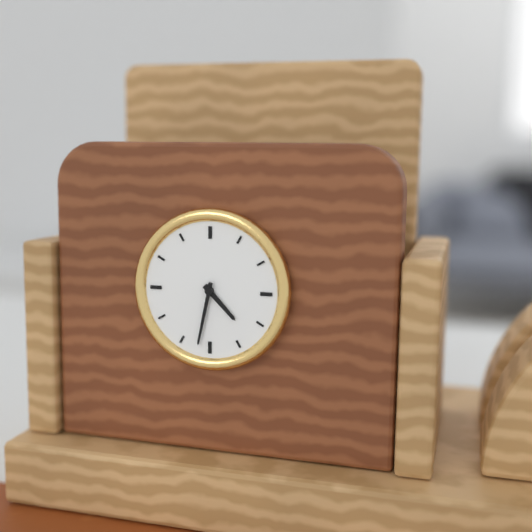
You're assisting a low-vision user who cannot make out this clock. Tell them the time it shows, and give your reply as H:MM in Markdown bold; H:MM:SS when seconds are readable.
**4:32**
